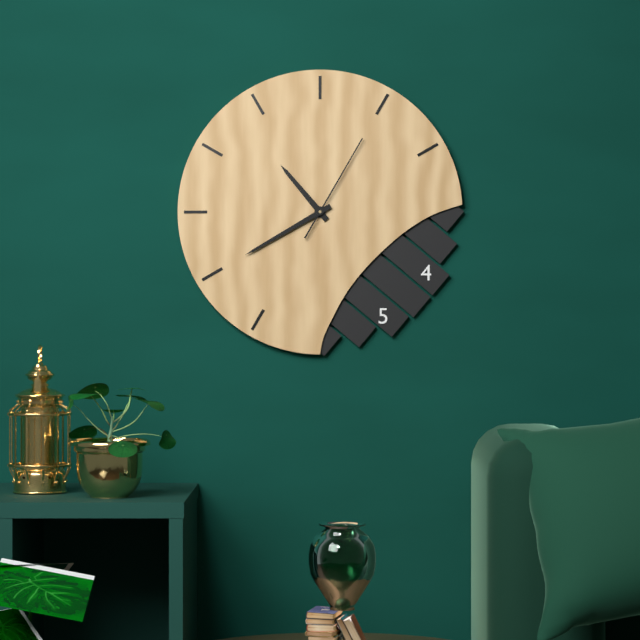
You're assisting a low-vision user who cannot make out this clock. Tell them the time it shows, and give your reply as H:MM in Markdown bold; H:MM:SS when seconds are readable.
**10:40:05**
